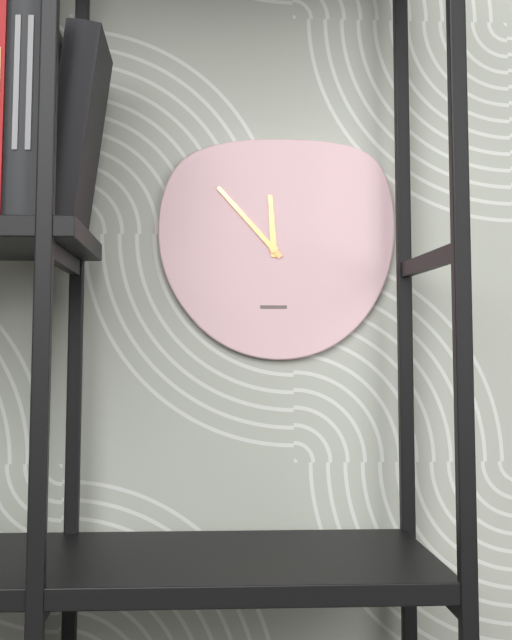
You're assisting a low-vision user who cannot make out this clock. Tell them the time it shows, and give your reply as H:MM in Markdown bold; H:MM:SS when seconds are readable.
**11:53**
